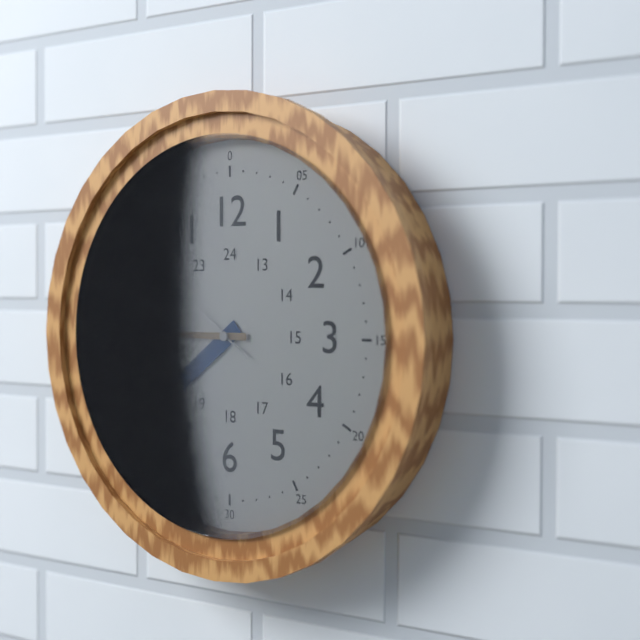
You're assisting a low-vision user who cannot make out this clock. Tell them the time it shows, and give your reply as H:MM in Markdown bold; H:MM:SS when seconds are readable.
**7:45:51**
